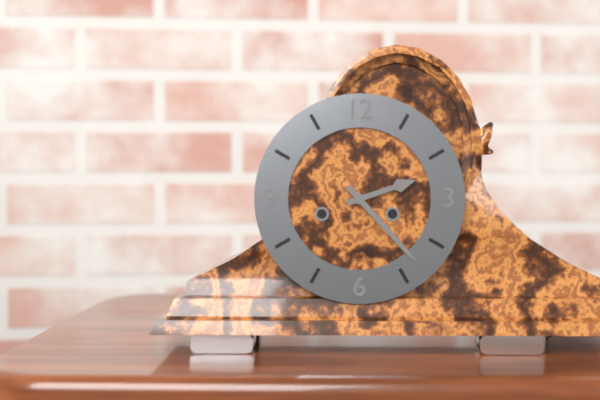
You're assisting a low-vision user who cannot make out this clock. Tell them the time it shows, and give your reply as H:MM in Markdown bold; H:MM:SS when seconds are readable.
**2:23**
